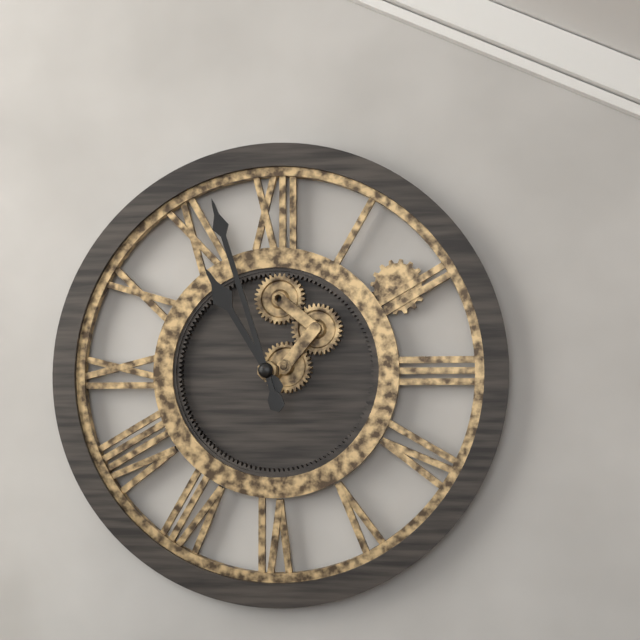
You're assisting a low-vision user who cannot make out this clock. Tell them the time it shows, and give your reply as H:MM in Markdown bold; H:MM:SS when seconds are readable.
**10:57**
